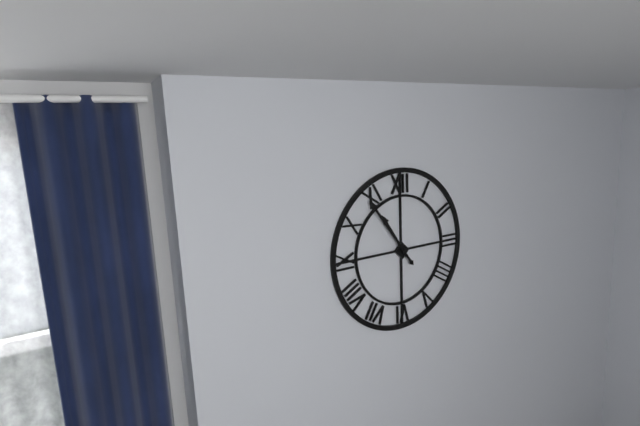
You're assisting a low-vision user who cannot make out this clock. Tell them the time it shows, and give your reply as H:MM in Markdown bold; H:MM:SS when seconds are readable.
**10:54**
